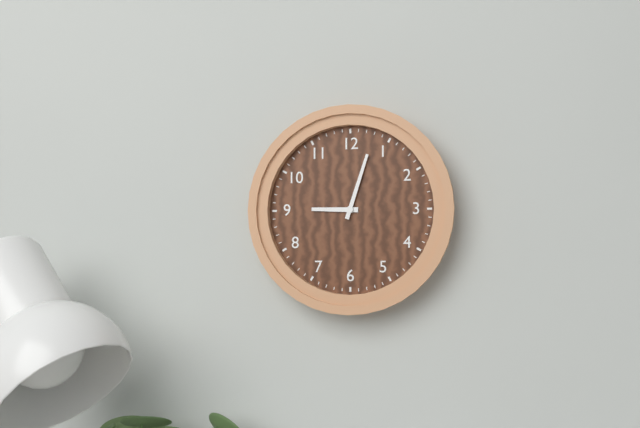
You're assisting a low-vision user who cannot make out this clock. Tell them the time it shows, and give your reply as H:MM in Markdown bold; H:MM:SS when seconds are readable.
**9:03**
